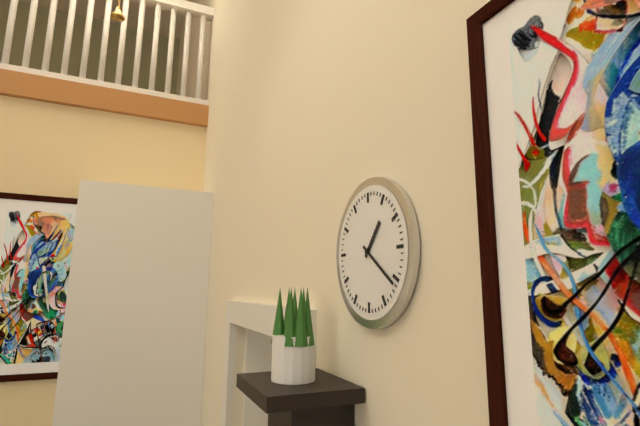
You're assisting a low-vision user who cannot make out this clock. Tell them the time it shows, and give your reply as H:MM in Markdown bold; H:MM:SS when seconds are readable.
**1:21**
